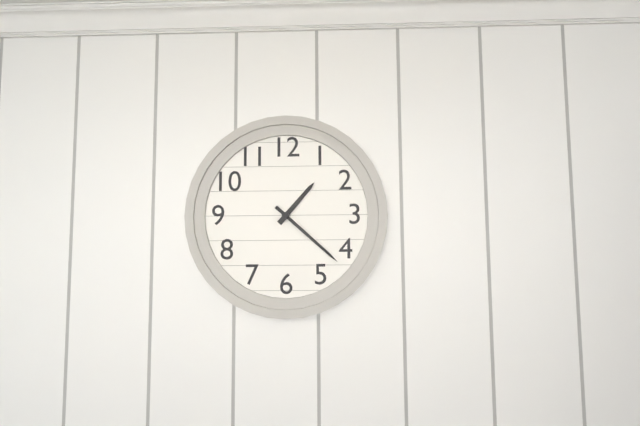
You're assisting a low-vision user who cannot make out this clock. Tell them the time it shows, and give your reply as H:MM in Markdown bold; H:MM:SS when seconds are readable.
**1:22**
